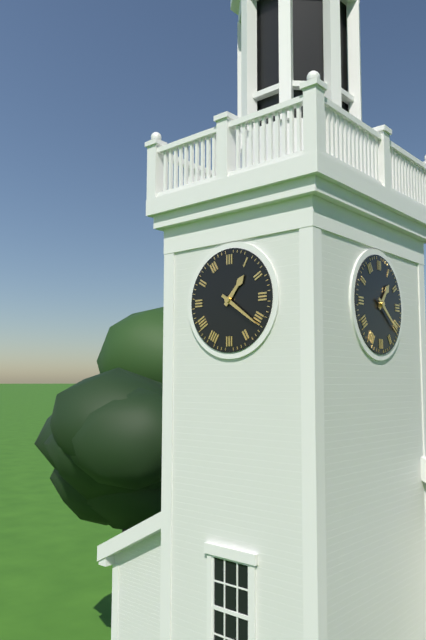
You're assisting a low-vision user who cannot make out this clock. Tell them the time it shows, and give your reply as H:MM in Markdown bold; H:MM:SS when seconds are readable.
**1:21**
